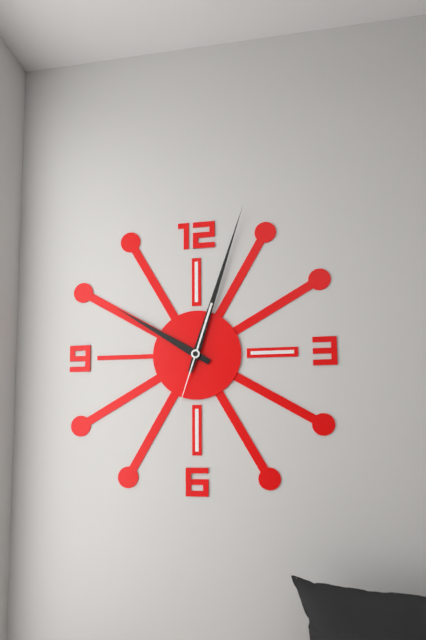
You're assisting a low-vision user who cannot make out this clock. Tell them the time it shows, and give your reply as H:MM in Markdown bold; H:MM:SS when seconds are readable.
**10:03:33**
